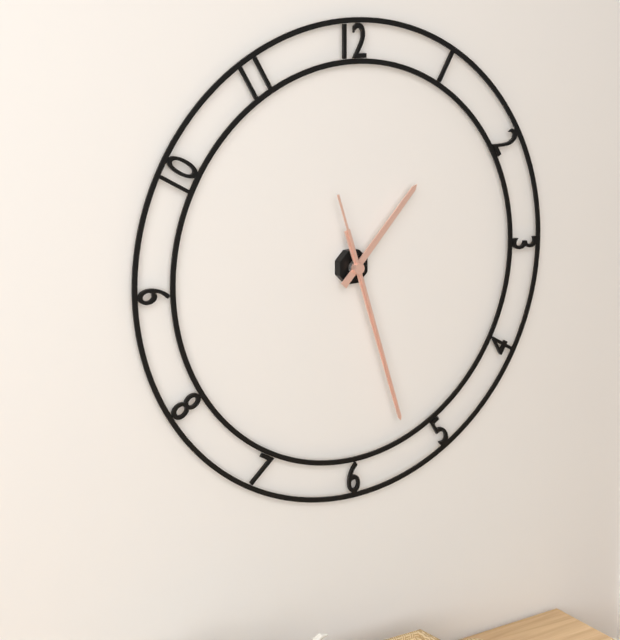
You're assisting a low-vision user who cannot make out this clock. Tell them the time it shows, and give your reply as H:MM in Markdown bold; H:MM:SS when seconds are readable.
**1:27:27**
